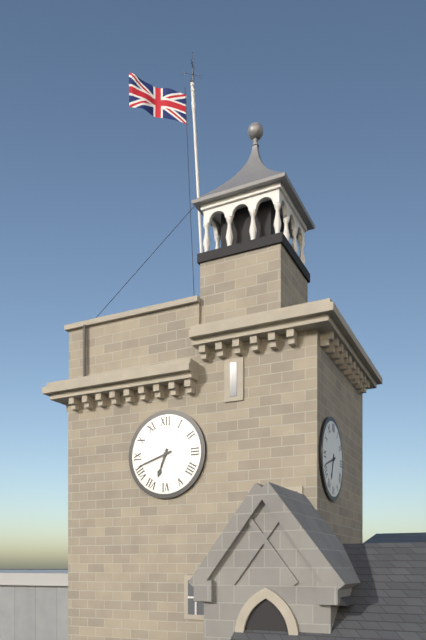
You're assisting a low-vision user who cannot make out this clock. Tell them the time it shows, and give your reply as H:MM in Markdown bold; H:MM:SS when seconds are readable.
**6:42**
